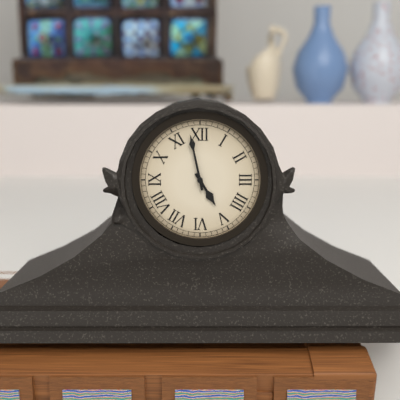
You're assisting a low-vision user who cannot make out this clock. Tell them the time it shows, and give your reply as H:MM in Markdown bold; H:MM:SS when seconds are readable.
**4:58**
